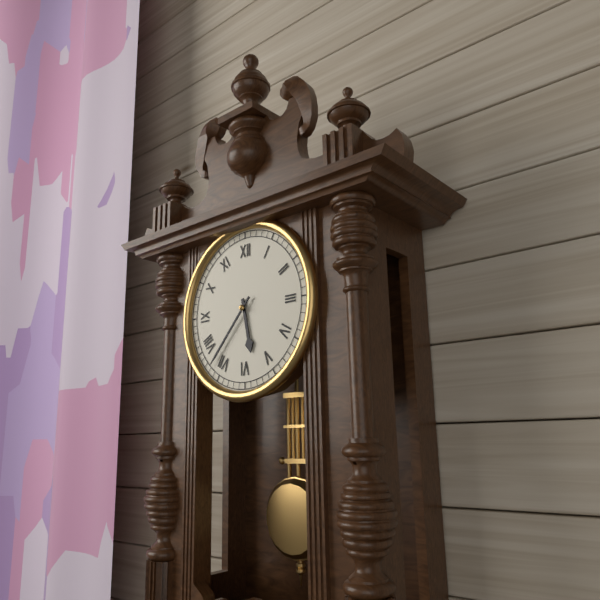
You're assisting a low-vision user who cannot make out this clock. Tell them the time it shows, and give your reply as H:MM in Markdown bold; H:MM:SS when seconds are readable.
**5:37**
